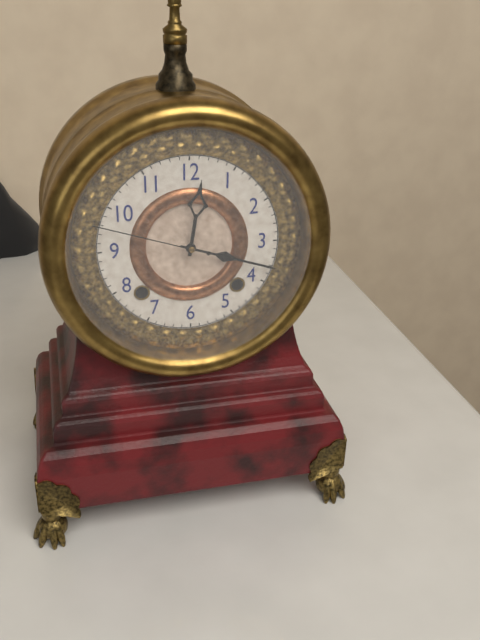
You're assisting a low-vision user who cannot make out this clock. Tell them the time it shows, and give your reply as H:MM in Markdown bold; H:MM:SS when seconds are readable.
**12:18:48**
